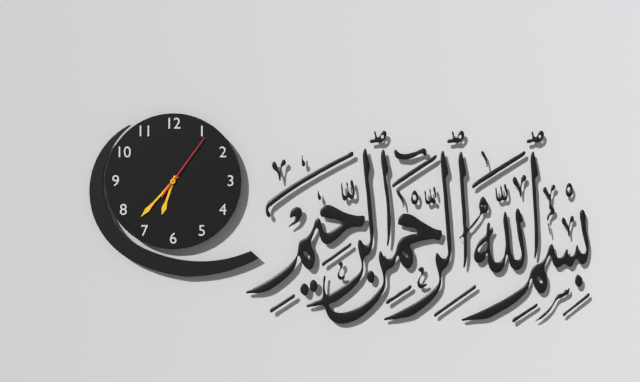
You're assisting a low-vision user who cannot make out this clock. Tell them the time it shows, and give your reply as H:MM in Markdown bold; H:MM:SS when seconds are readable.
**6:37:06**
